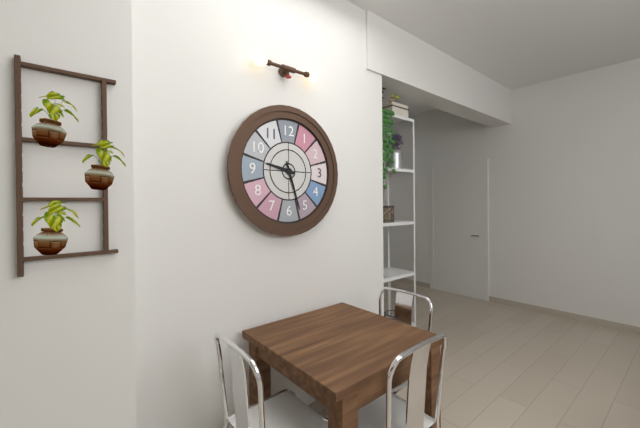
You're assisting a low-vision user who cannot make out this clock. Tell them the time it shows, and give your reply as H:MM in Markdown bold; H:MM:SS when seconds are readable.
**9:27**
